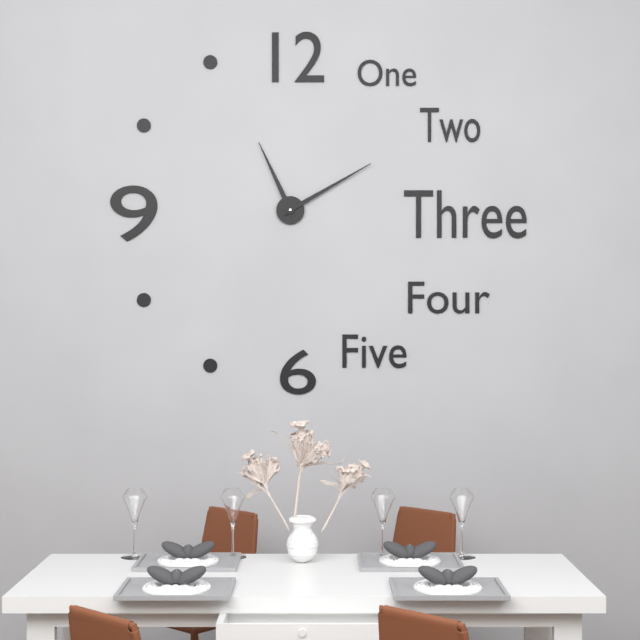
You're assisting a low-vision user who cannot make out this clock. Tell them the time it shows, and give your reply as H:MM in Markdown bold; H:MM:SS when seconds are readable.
**11:10**
